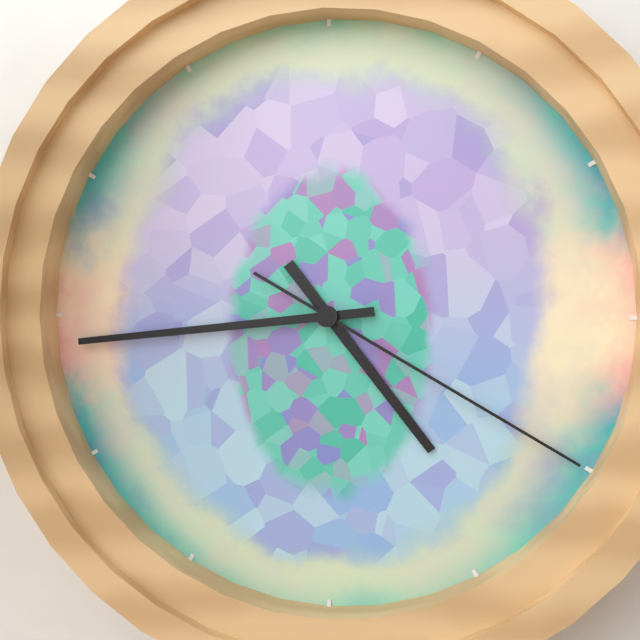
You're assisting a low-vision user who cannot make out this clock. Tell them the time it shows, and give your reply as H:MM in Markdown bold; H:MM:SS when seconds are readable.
**4:44:20**
